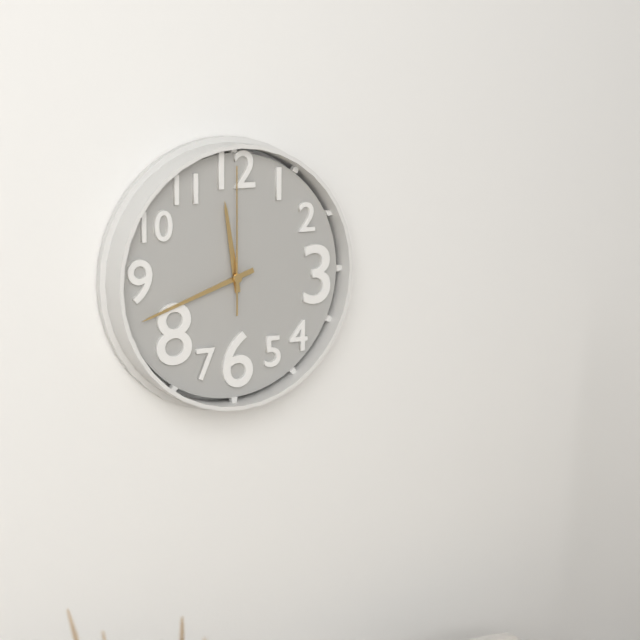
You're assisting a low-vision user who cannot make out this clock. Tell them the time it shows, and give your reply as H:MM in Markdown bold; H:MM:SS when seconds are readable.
**11:42:00**
